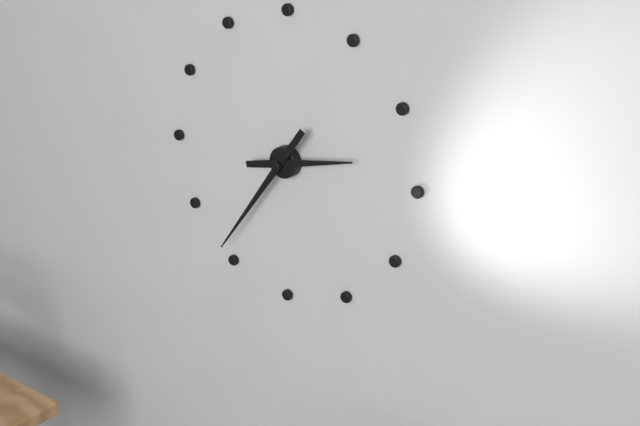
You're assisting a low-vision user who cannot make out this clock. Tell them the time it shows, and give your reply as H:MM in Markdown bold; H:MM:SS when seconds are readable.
**2:36**
